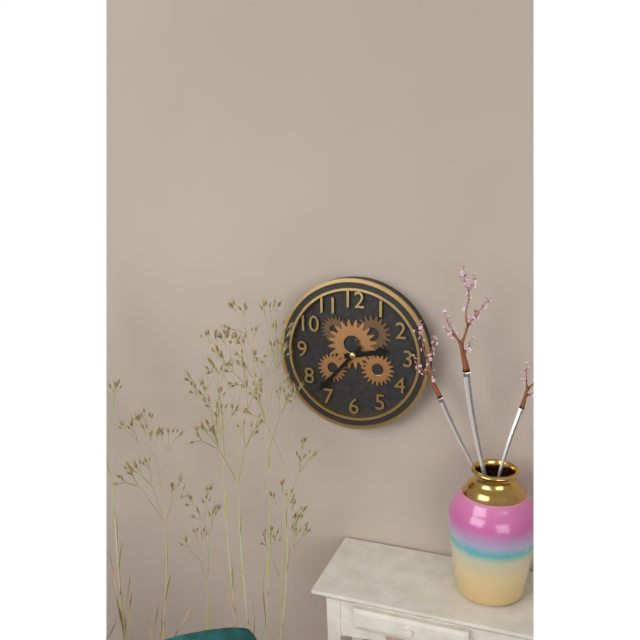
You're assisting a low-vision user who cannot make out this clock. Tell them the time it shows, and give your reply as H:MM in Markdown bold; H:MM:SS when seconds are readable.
**2:37**
